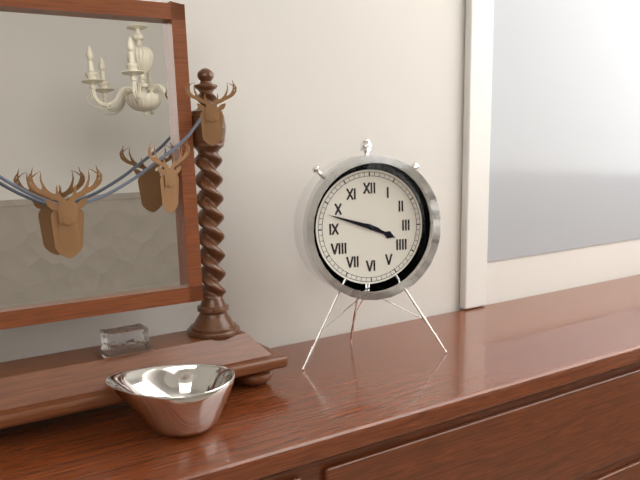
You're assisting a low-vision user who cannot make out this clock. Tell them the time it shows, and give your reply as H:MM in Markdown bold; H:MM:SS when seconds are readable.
**3:48**
